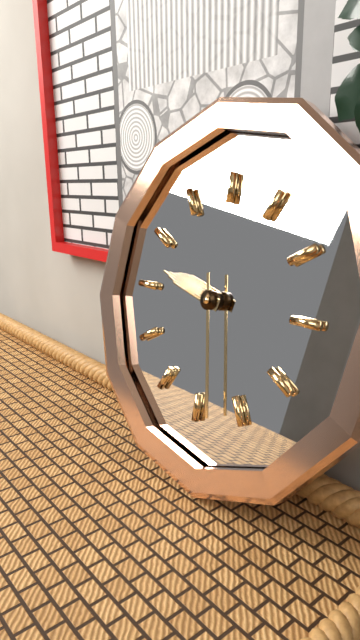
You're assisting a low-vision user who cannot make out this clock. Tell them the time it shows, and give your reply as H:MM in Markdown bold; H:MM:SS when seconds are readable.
**9:28**
